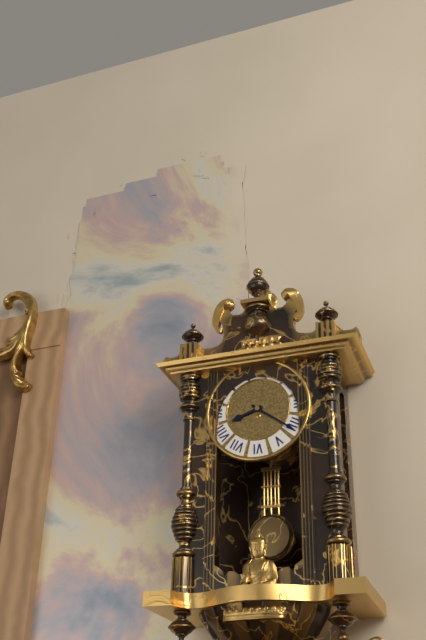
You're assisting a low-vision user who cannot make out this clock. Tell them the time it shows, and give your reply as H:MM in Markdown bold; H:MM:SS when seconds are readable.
**8:21**
